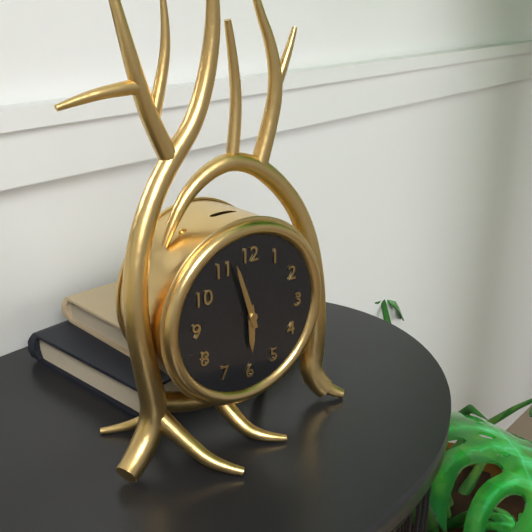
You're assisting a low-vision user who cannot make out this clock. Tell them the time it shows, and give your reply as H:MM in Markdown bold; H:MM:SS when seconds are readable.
**5:57**
